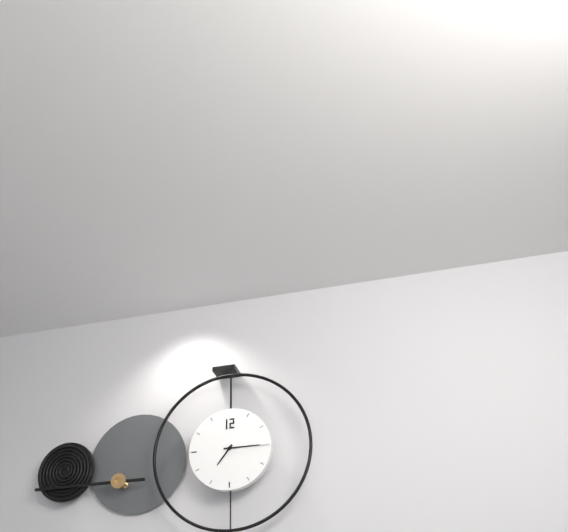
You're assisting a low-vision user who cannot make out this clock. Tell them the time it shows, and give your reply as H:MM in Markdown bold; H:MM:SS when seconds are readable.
**7:15**
